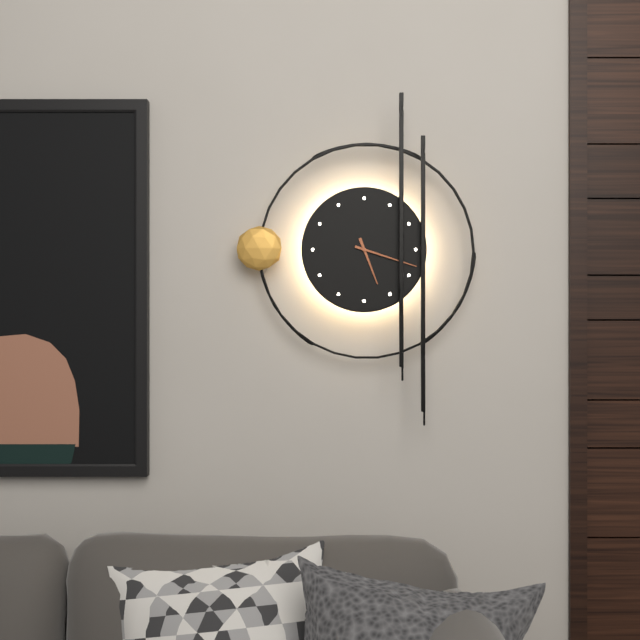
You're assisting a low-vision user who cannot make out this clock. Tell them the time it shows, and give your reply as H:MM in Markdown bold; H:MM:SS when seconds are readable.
**5:18**
